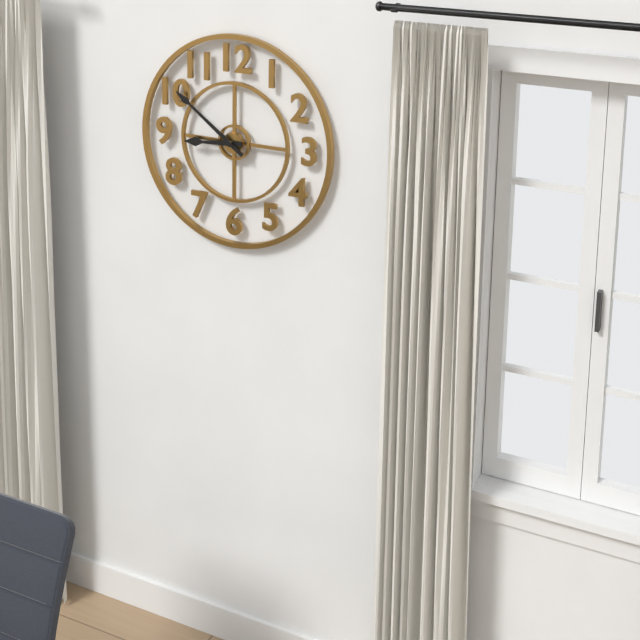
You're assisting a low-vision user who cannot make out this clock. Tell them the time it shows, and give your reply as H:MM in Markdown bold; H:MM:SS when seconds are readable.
**8:51**
